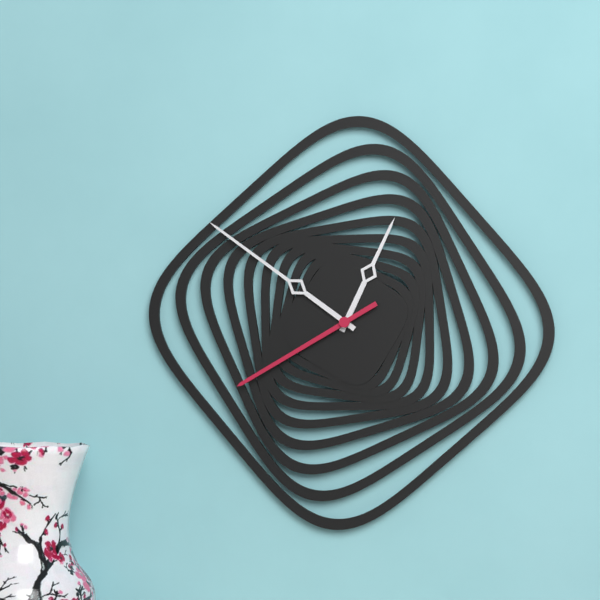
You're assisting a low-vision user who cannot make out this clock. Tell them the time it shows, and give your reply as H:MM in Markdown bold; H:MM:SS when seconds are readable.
**12:51:40**
